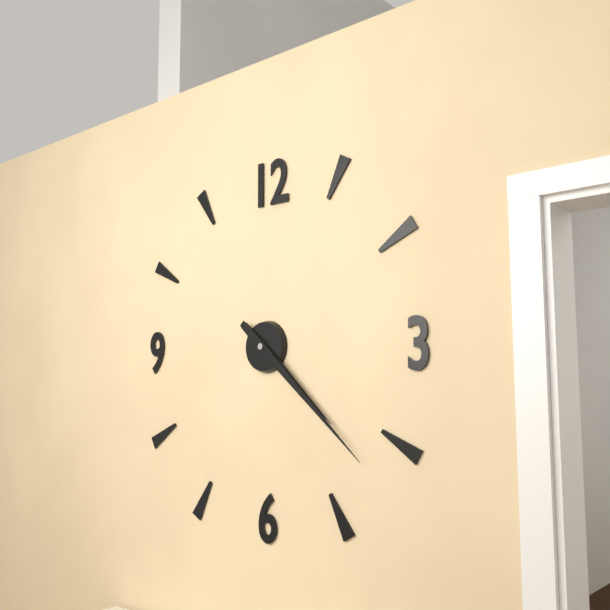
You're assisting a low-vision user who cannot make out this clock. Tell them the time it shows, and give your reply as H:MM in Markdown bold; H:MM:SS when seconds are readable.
**4:22**
